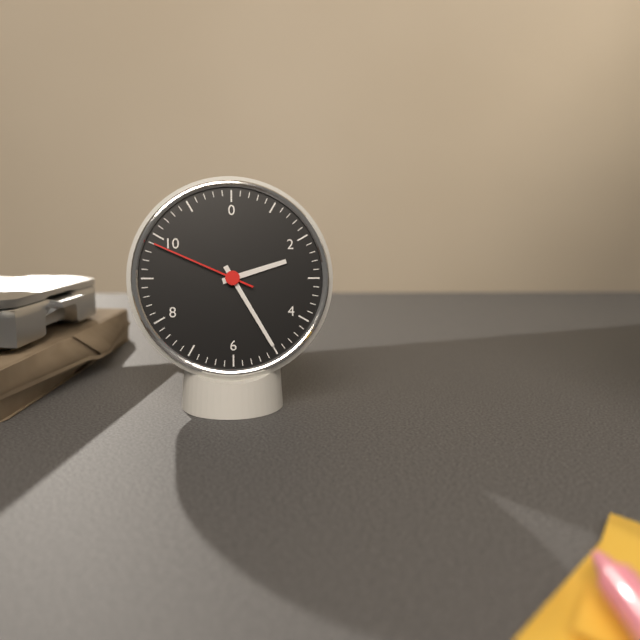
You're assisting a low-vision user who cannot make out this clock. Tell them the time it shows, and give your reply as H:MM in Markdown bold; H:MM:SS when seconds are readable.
**2:25:49**
